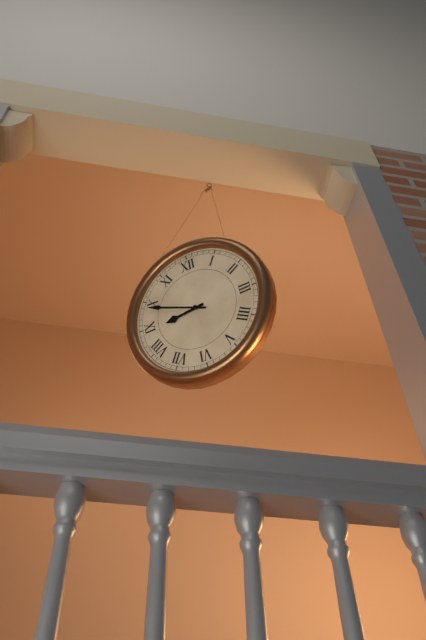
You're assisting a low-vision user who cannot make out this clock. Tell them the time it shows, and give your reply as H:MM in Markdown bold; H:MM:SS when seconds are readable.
**8:49**
